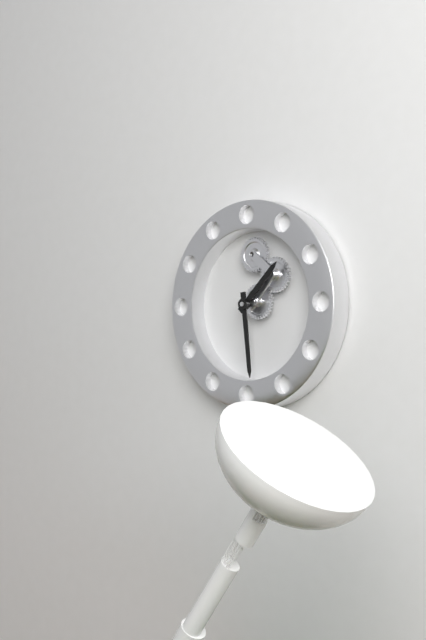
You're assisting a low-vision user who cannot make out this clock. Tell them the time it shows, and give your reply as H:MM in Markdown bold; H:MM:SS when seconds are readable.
**1:29**
